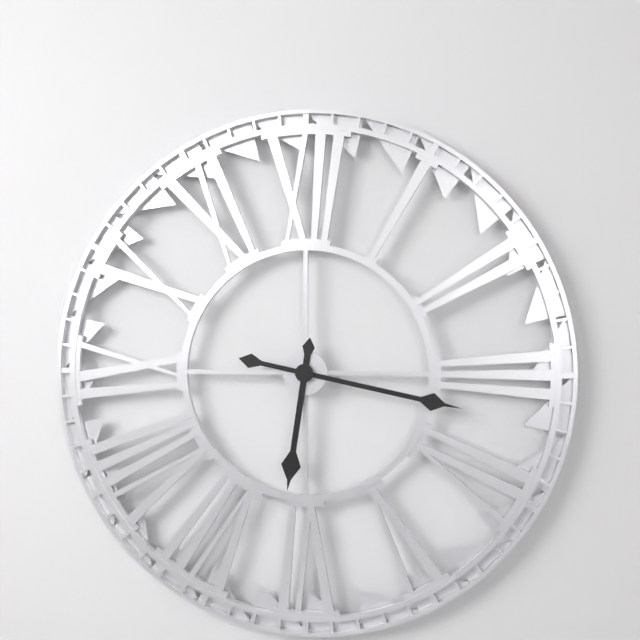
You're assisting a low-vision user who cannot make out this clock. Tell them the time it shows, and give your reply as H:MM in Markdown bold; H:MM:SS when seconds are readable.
**6:17**
